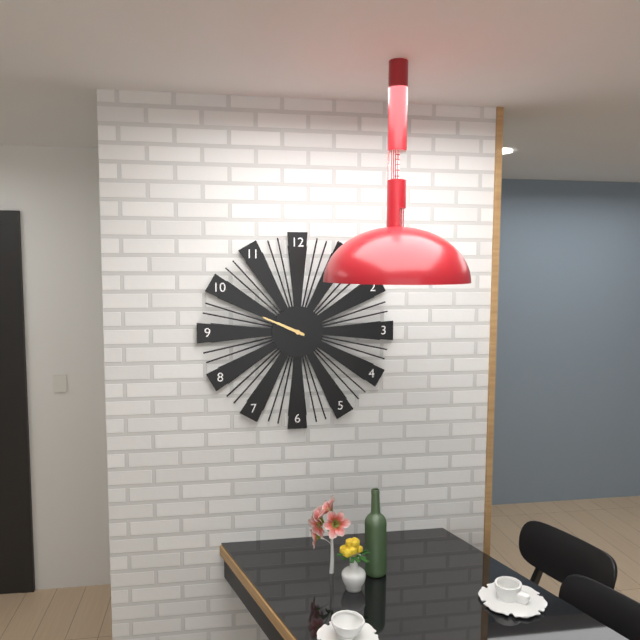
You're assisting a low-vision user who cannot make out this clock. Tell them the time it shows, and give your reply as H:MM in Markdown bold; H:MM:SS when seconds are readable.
**9:49**
